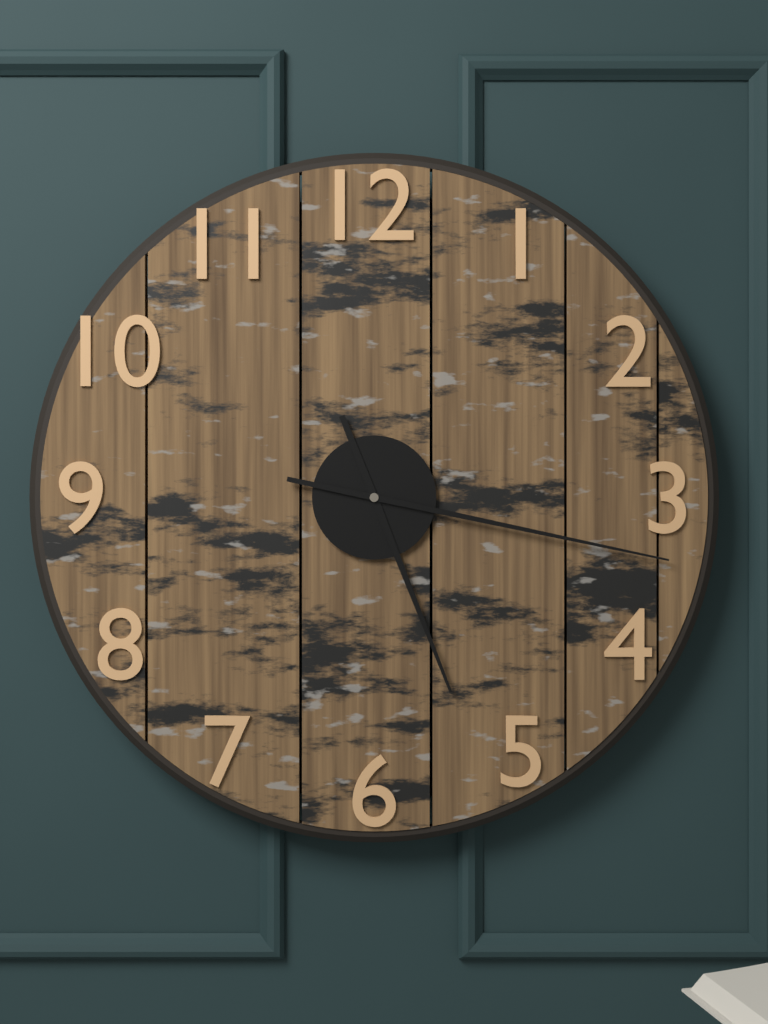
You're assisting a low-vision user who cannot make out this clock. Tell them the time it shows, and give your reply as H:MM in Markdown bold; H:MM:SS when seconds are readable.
**5:17**
